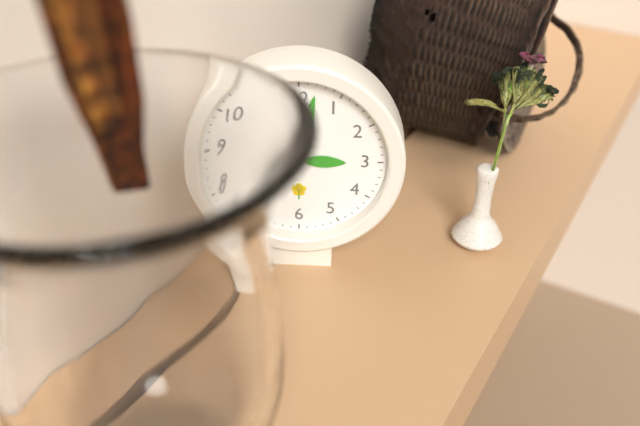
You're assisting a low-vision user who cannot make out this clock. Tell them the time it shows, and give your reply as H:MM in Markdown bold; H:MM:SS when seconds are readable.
**3:02**
